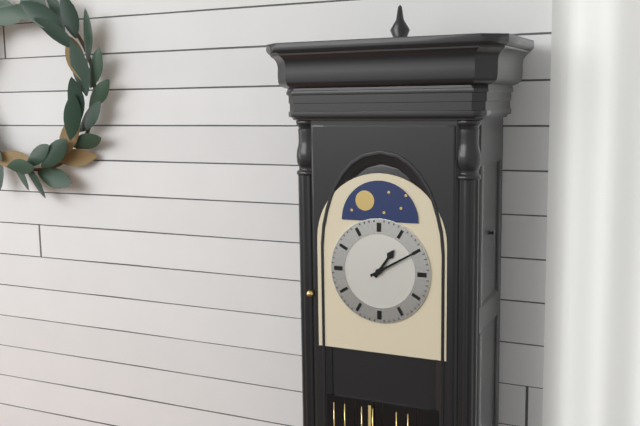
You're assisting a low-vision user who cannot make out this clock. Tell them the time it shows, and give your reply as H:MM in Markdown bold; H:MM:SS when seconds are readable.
**1:10**
